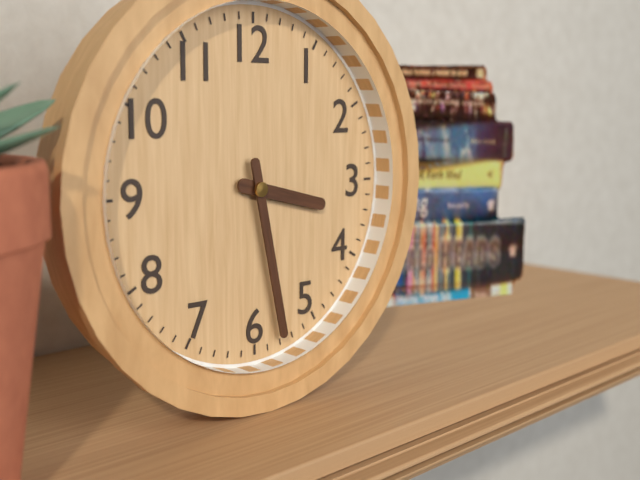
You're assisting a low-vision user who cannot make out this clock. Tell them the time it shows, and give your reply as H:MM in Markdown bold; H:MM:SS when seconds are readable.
**3:28**
